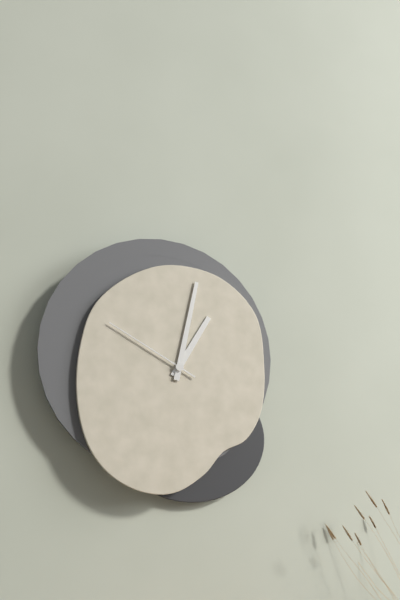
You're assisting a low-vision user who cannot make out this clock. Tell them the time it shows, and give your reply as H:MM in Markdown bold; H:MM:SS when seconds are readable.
**1:02:50**
